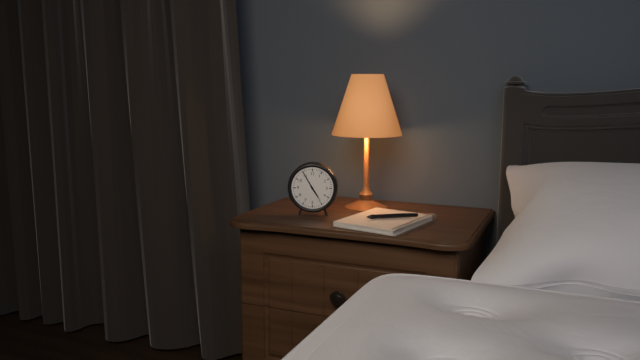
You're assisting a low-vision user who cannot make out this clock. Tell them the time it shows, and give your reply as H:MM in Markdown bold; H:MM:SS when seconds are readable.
**4:55**
